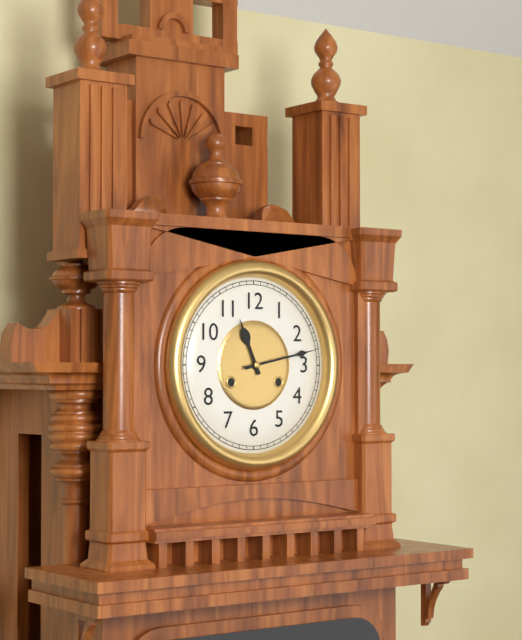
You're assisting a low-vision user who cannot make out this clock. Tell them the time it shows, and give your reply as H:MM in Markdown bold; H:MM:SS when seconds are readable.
**11:13**
